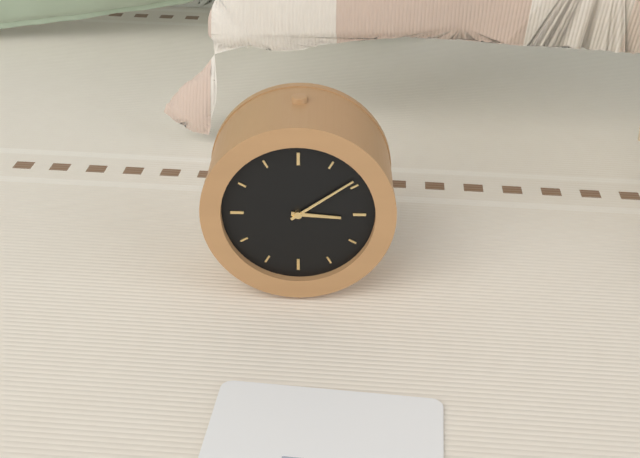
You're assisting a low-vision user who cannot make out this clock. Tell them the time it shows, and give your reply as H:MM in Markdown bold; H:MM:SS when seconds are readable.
**3:09**
